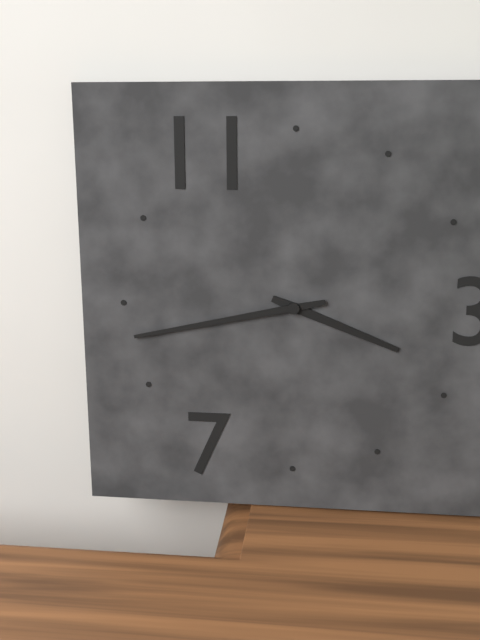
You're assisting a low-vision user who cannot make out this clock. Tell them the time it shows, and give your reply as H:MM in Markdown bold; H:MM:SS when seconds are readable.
**3:43**
